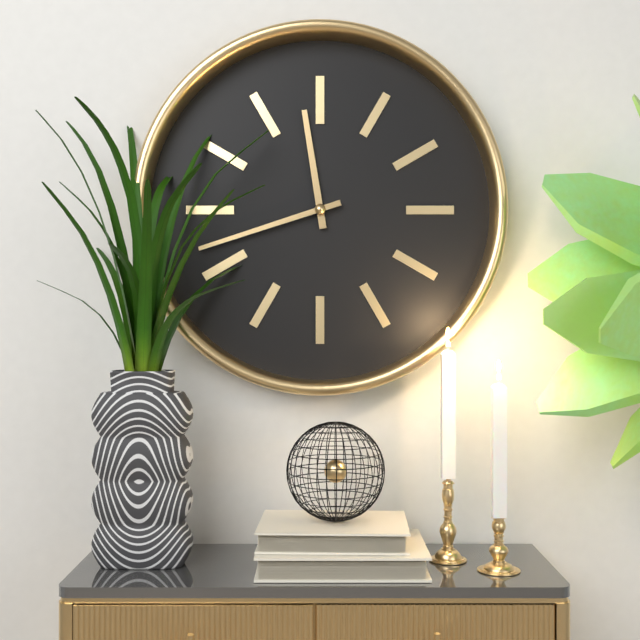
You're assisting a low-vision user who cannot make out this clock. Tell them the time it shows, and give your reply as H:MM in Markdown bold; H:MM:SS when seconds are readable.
**11:42**
